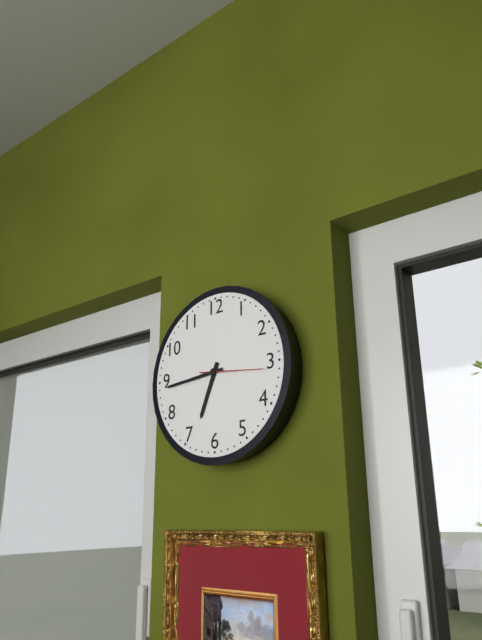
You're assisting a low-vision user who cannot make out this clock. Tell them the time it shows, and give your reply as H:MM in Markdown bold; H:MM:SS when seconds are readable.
**6:44:16**
